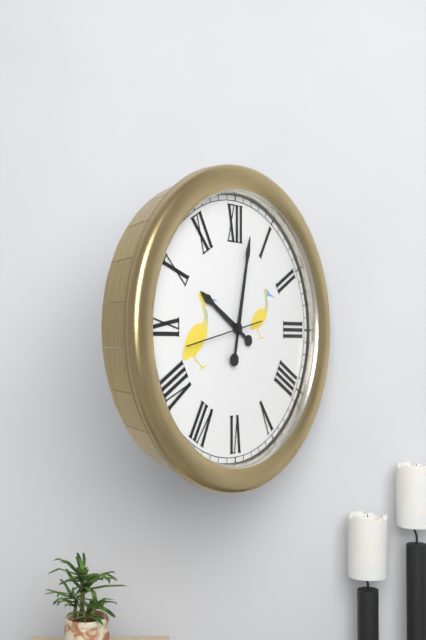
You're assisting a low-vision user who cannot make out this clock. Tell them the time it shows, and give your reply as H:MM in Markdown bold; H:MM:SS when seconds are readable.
**10:02:43**
